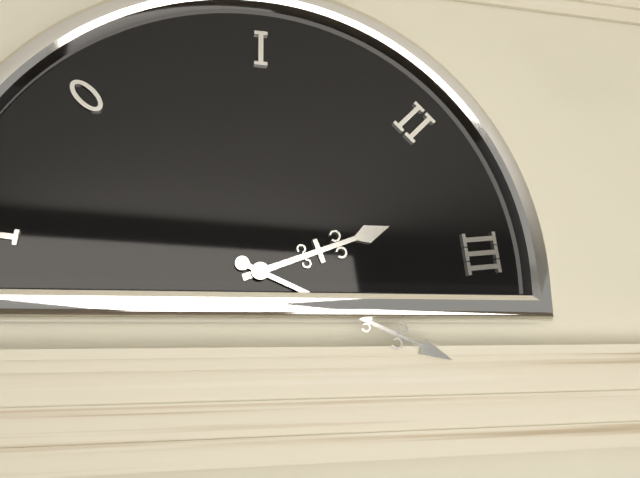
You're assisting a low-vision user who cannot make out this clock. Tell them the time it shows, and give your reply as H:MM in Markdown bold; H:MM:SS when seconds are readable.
**2:19**
